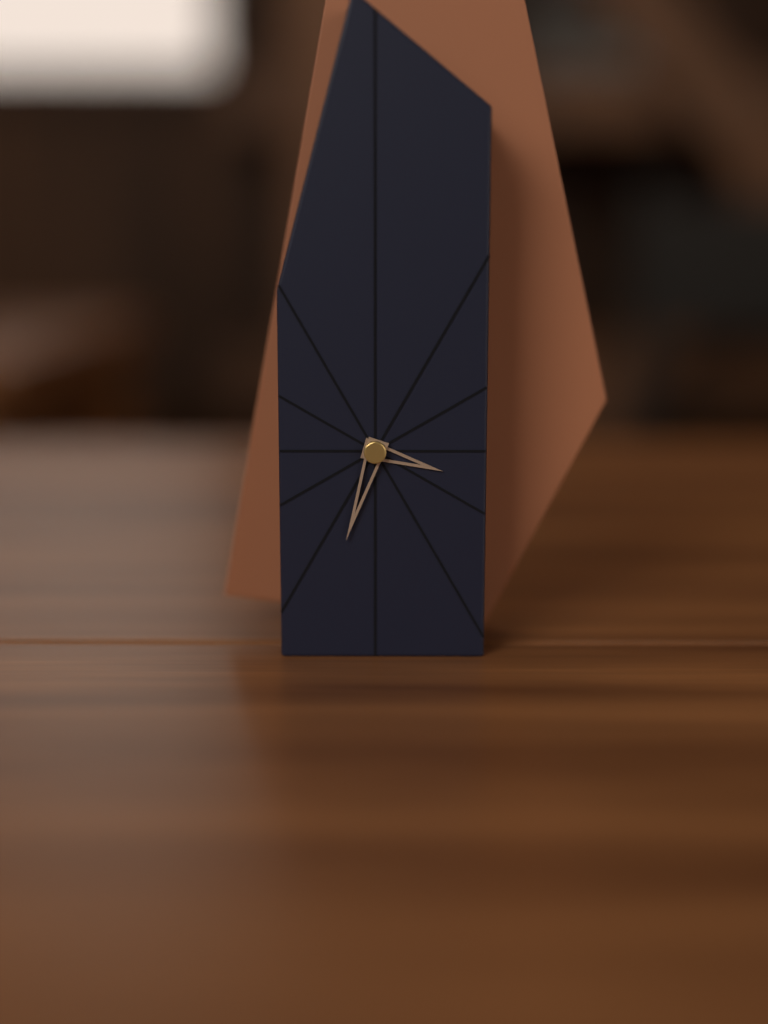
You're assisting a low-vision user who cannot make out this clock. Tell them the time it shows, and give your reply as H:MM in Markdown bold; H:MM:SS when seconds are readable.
**3:33**
